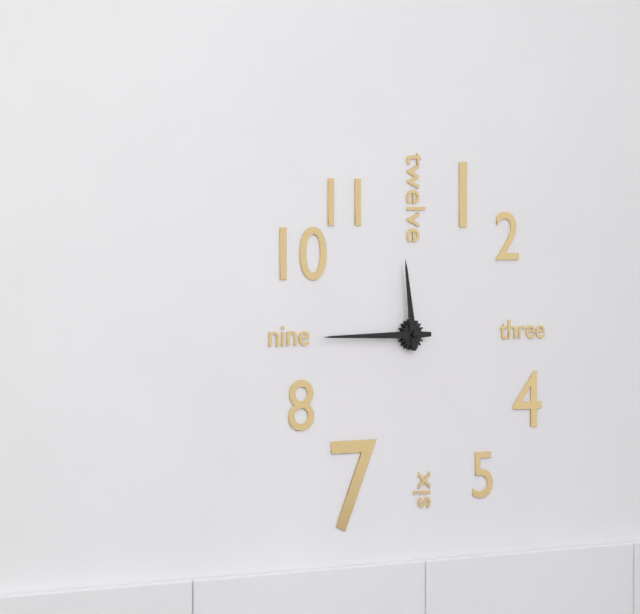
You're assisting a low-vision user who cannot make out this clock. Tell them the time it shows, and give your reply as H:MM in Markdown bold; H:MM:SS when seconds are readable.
**11:45**
